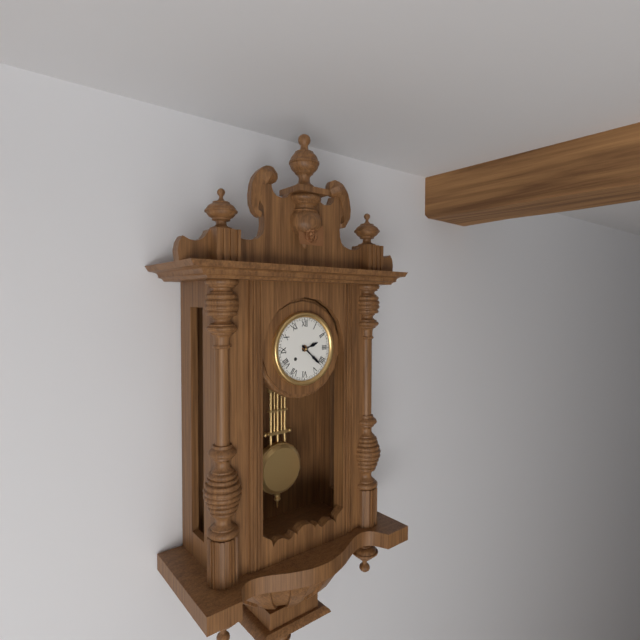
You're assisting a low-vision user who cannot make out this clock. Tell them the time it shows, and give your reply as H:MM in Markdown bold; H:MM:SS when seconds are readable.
**2:22**
